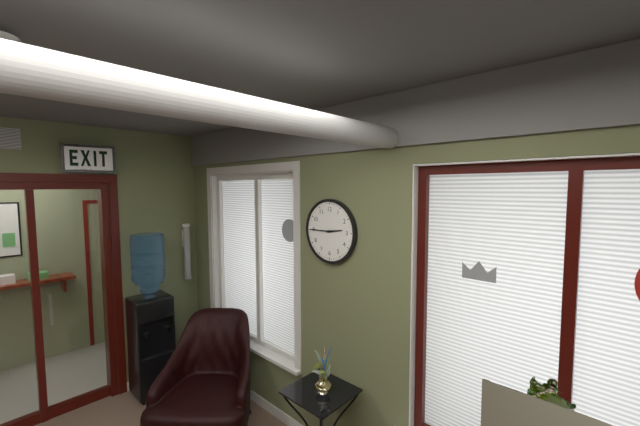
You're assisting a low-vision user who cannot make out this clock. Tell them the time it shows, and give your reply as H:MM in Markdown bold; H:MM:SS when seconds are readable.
**2:45**
